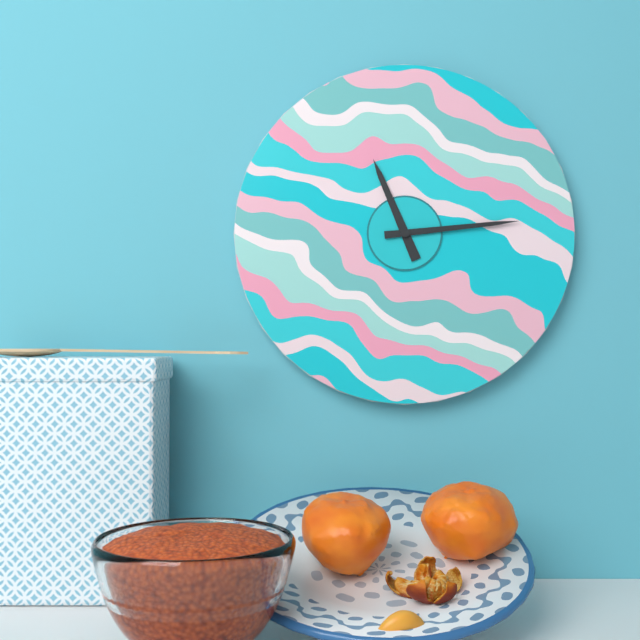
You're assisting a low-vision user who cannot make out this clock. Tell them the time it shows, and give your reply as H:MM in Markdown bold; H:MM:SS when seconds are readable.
**11:14**
